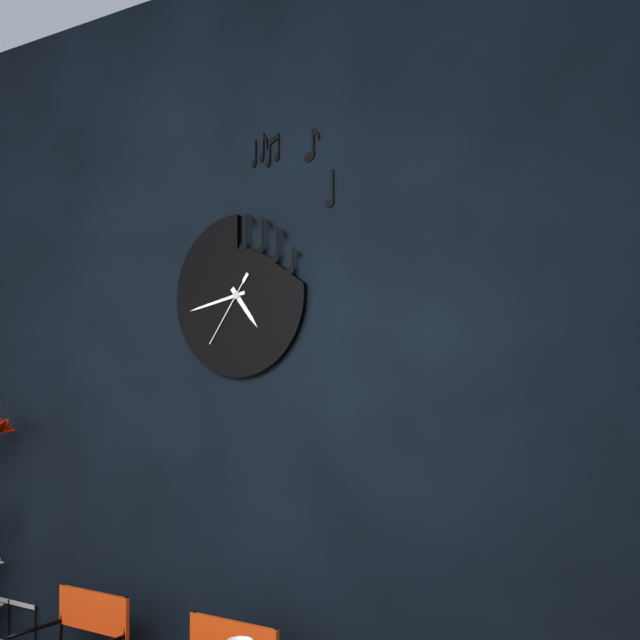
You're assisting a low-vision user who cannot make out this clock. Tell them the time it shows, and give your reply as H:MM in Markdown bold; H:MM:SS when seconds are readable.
**4:43:36**
